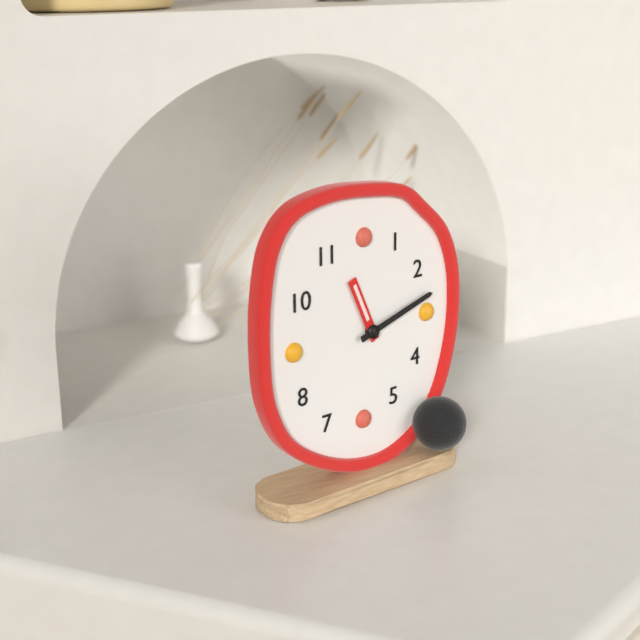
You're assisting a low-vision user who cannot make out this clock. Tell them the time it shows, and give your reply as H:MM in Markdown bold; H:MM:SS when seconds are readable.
**11:12**
